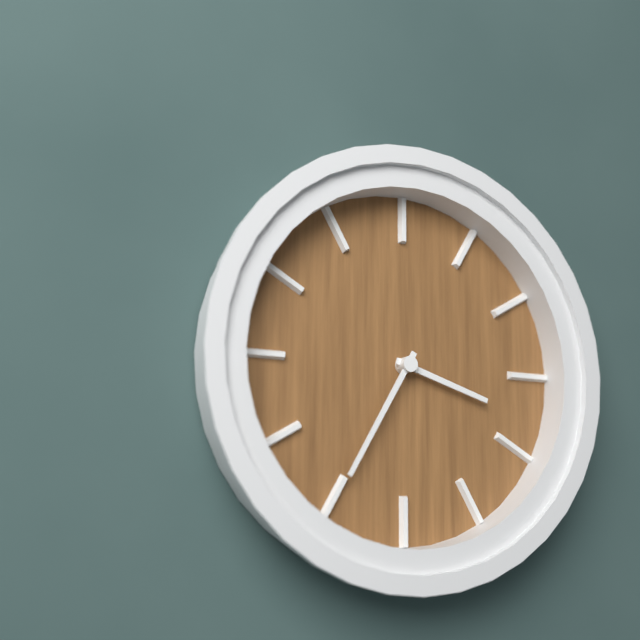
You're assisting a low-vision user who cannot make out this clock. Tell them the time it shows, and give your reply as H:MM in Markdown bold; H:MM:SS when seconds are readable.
**3:35**
